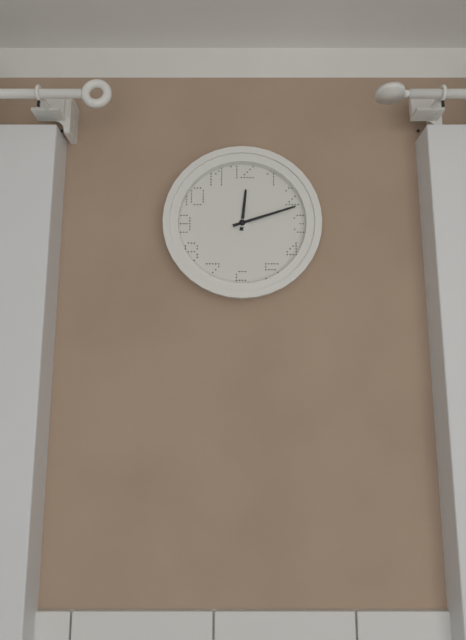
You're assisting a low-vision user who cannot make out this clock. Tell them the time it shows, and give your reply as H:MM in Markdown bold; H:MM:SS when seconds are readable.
**12:12**
